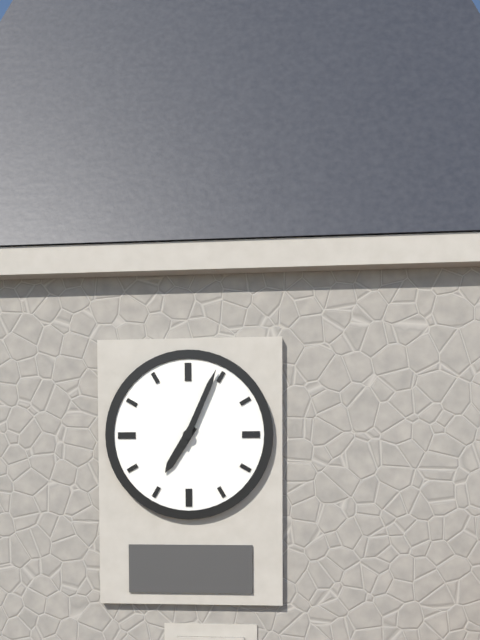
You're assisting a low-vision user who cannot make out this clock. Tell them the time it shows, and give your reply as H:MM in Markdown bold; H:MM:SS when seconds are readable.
**7:04**
